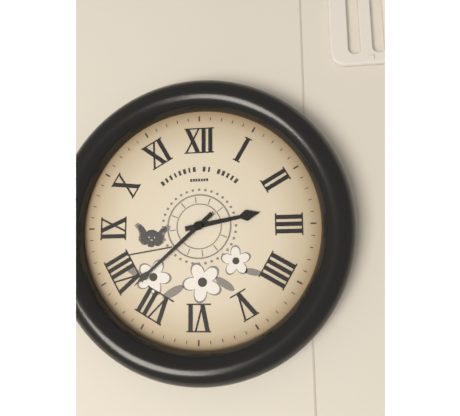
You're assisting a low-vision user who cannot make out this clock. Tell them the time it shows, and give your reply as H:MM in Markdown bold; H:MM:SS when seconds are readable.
**2:38**
